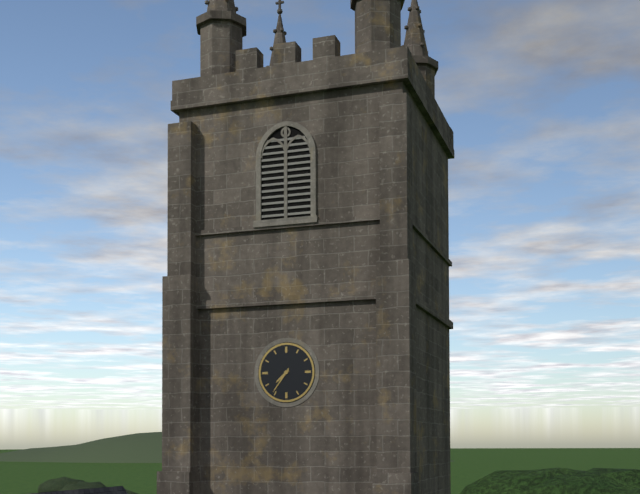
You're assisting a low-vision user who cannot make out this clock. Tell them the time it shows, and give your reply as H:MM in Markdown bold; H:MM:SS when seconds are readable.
**7:36**
